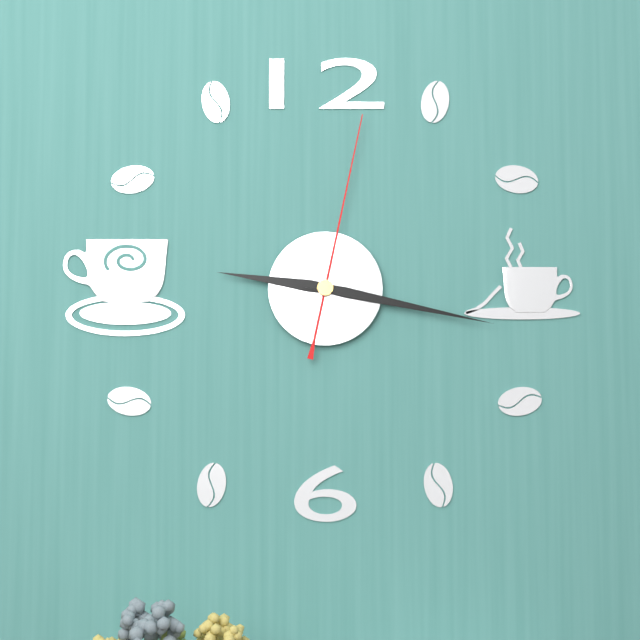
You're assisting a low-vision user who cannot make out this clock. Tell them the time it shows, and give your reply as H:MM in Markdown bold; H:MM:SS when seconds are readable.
**9:17:02**
